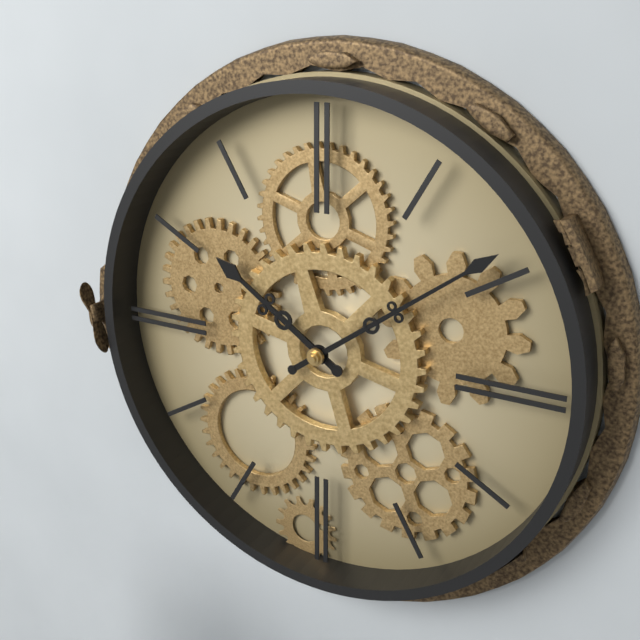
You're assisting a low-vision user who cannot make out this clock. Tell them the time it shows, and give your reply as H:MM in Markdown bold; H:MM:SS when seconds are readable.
**10:09**
